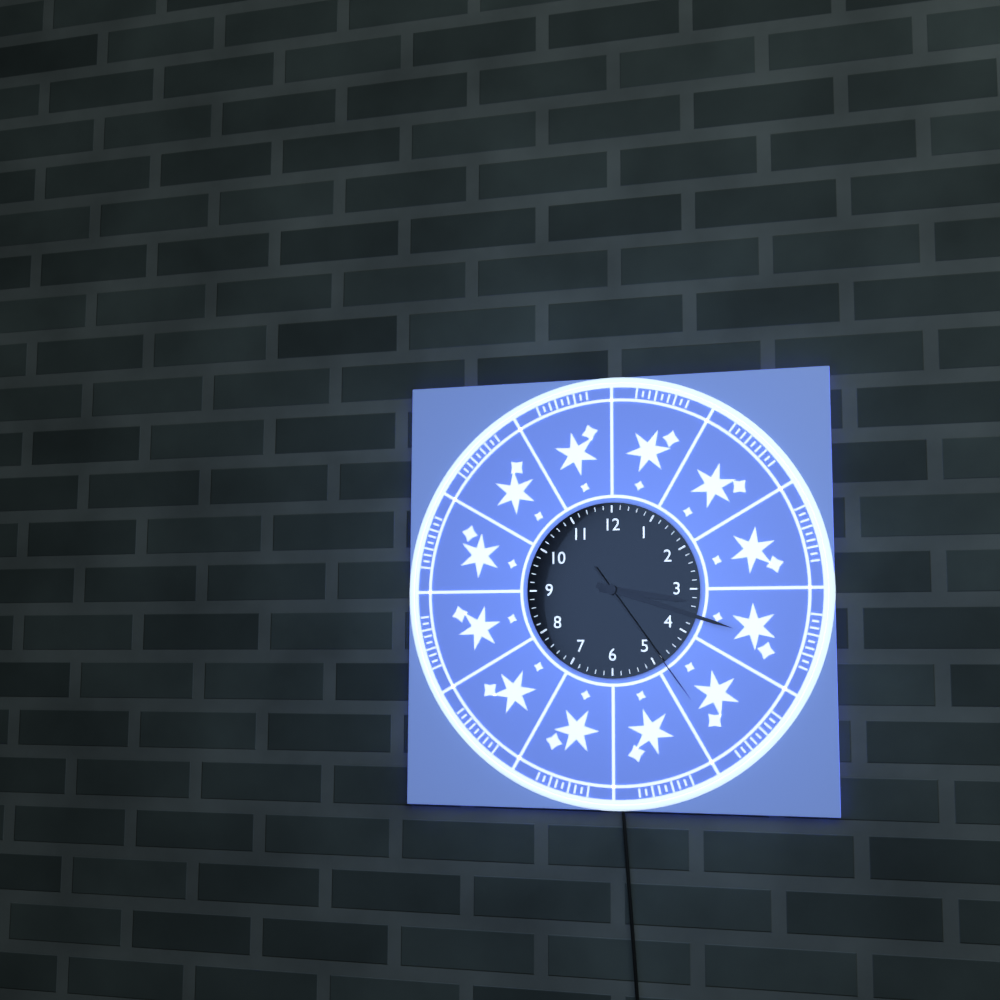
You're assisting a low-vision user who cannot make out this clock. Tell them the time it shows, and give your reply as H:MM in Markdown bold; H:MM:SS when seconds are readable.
**3:18:24**
